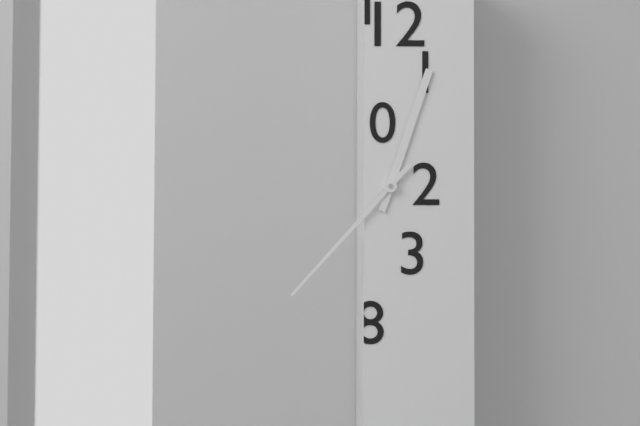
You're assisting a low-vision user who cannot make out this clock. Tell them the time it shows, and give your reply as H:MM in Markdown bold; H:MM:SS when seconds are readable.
**12:37**
